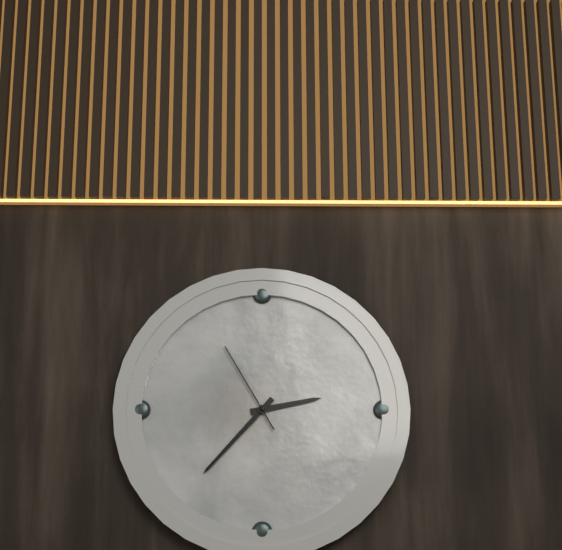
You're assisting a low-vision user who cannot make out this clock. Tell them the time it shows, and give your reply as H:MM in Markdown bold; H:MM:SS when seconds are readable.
**2:37:55**
